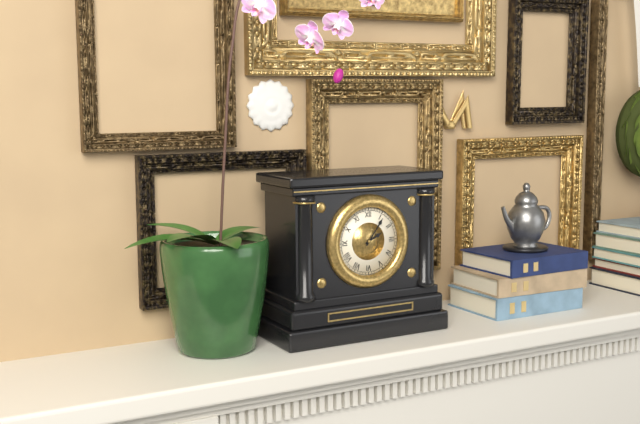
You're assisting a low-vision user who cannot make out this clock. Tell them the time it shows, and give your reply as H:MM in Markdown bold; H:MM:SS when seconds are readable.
**2:06**
